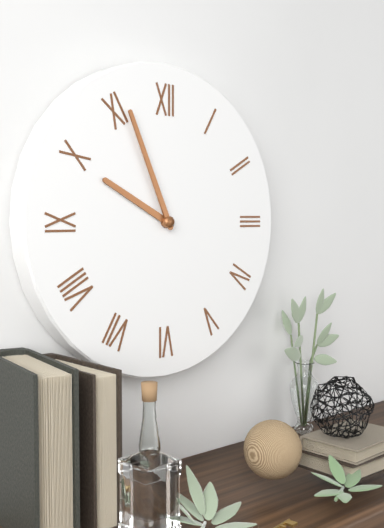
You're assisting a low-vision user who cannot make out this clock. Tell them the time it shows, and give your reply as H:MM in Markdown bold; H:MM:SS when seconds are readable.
**9:56**
